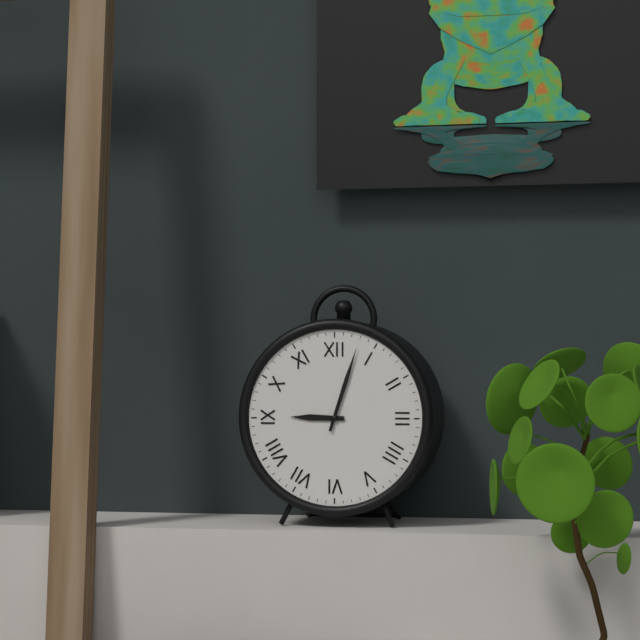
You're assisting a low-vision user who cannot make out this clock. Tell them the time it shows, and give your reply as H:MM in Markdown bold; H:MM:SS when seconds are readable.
**9:03**
